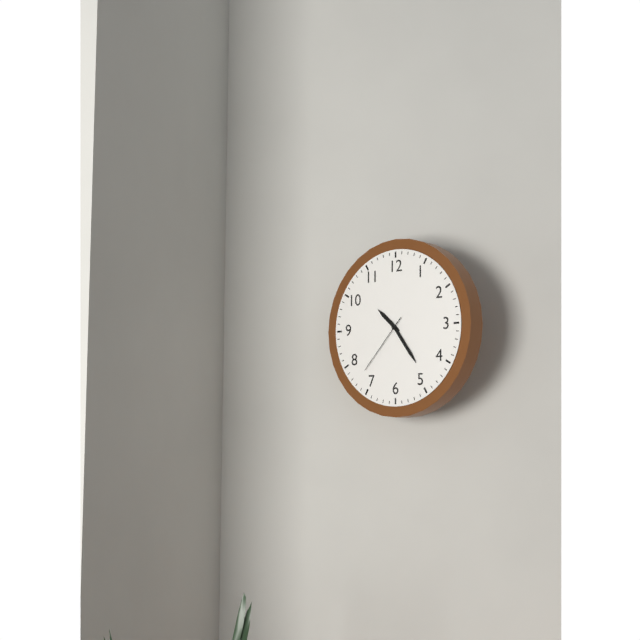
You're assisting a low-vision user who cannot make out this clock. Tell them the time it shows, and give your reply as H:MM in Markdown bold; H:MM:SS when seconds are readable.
**10:24:37**
